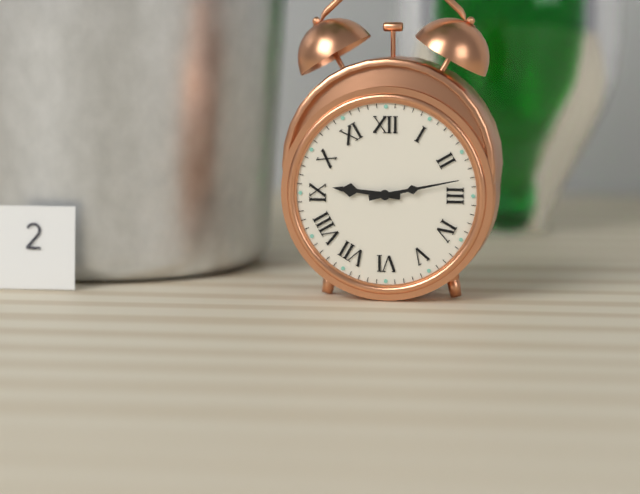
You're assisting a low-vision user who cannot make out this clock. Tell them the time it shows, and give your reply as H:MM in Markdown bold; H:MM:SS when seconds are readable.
**9:13**
